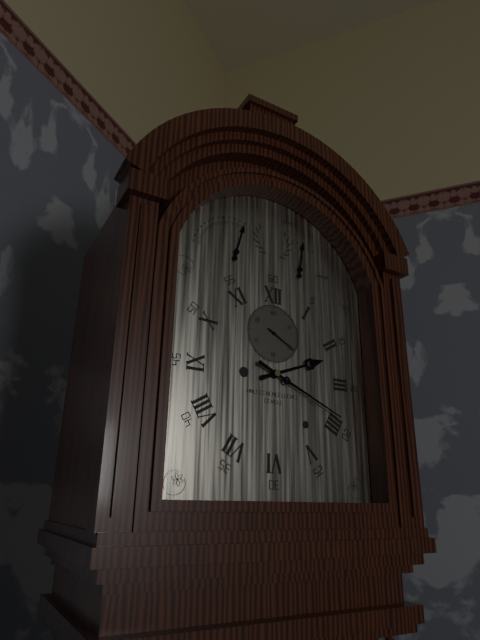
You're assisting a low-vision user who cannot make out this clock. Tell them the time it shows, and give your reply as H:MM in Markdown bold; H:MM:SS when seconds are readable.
**2:19**
